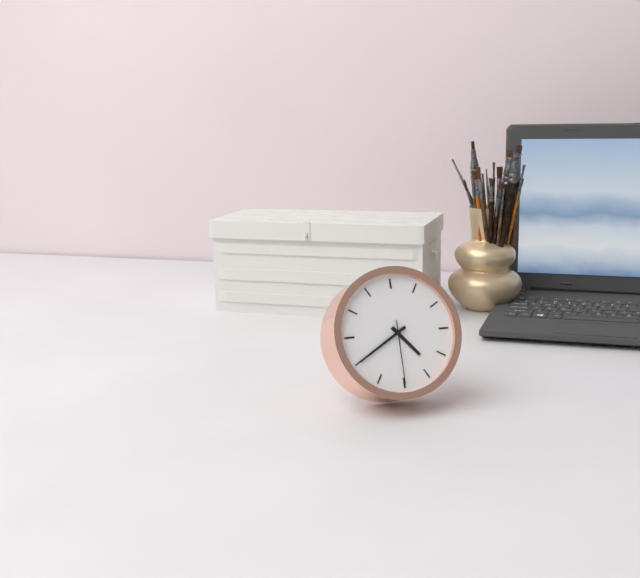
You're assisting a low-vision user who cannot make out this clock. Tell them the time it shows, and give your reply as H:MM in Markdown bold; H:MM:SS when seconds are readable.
**4:40:30**
